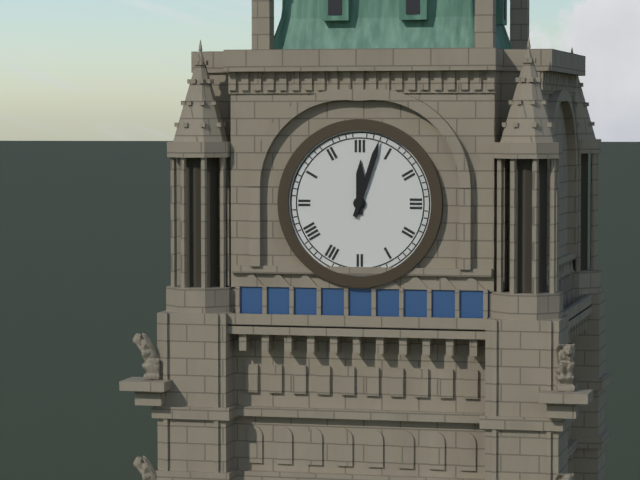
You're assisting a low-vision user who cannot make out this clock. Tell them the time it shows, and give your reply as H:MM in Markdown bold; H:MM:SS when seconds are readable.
**12:03**
